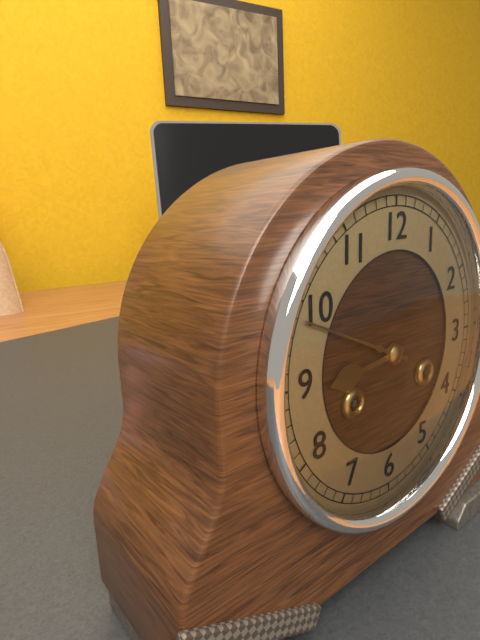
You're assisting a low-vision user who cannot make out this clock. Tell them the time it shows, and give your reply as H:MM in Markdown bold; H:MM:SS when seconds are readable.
**8:49**
